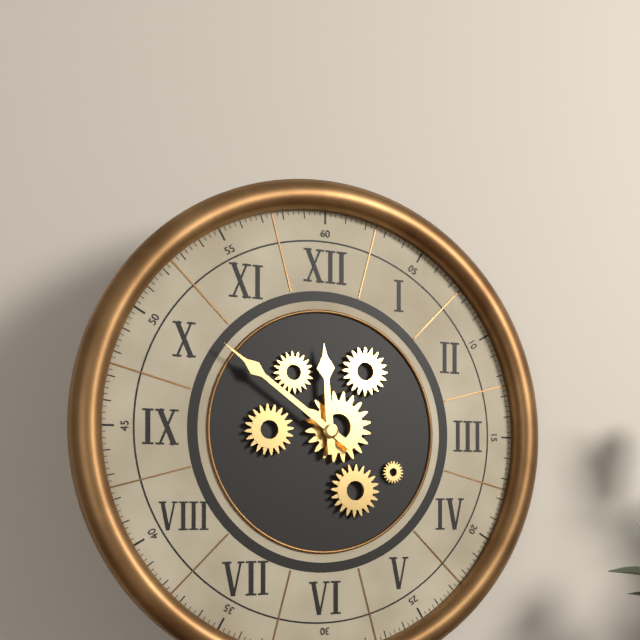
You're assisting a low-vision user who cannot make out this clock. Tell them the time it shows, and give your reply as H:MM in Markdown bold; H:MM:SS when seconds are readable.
**11:51**
